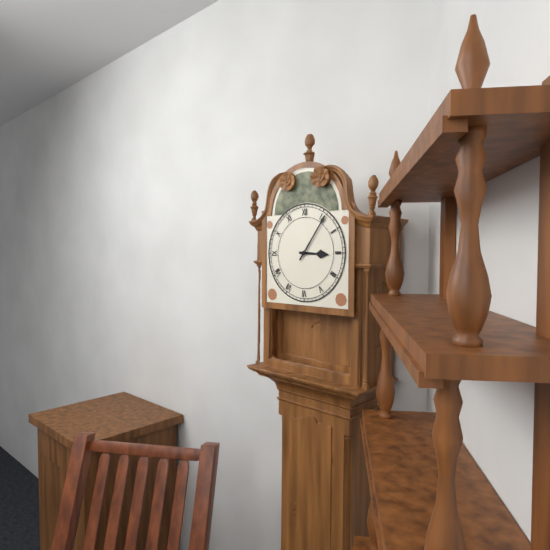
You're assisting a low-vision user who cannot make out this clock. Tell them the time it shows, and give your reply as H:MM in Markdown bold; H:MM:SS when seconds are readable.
**3:06**
